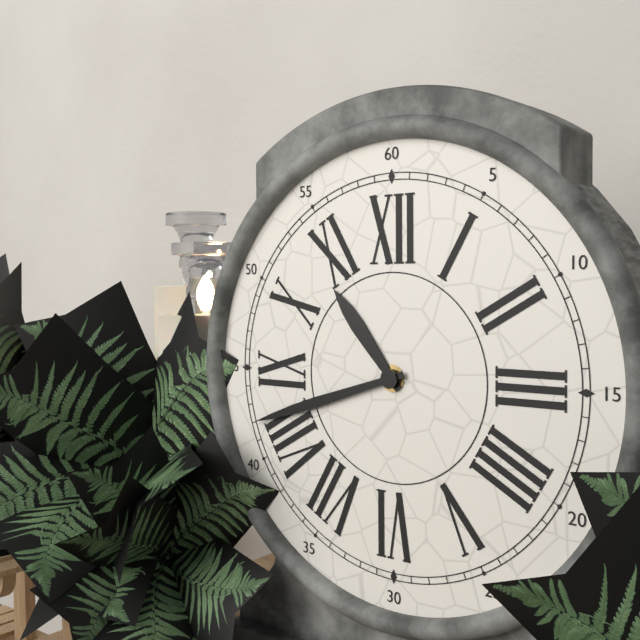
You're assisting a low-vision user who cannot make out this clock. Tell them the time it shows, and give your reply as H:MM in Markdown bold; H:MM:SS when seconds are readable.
**10:42**
